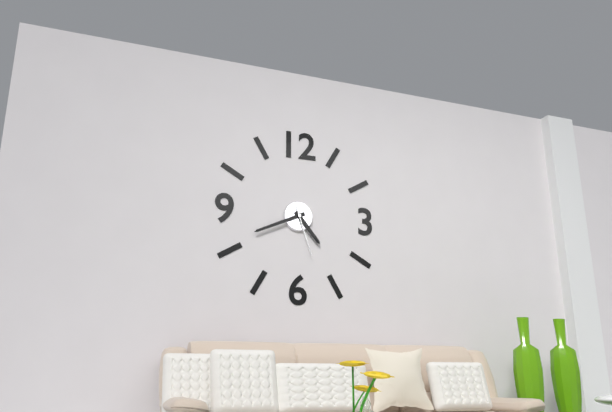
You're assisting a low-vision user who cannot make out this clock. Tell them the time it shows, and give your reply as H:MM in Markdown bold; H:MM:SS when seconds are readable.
**4:41:27**
